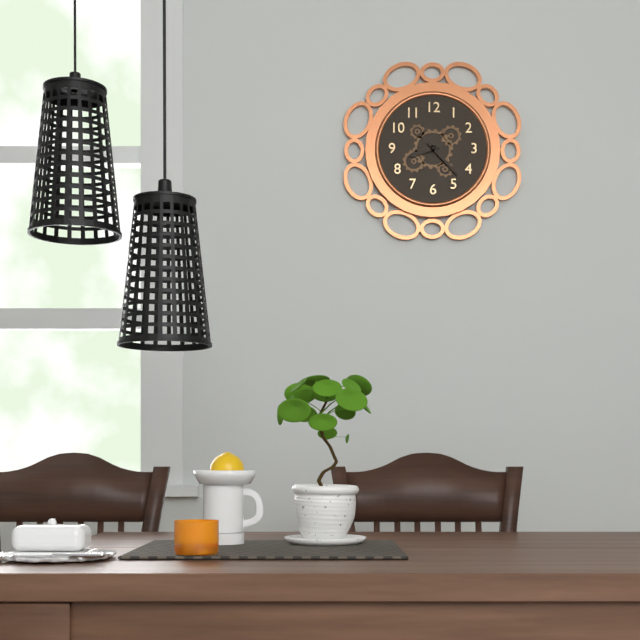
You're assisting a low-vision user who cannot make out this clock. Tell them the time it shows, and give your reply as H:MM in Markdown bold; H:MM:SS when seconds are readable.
**8:23**
